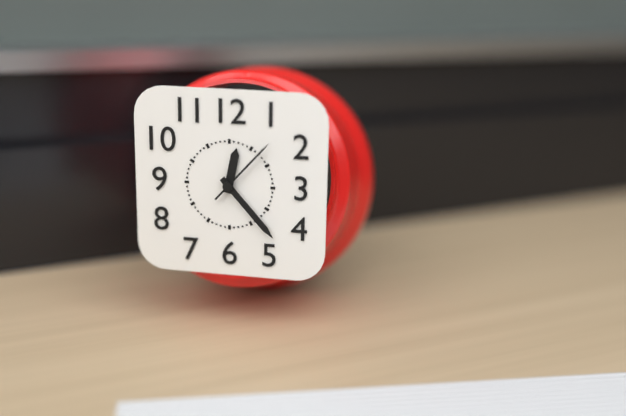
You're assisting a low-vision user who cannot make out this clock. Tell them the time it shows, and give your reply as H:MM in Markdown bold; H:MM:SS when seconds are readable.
**12:23:07**
